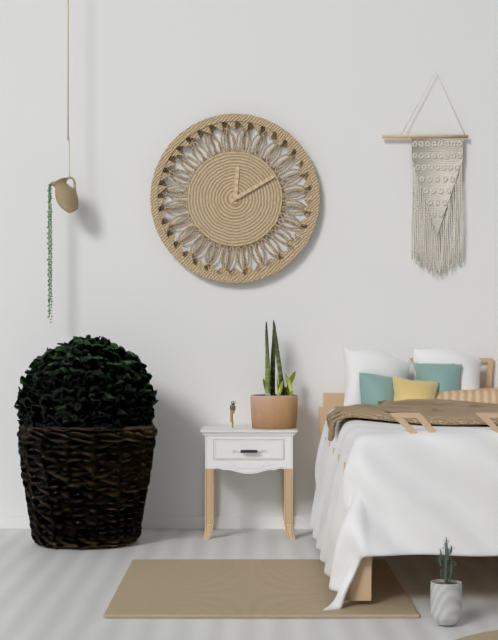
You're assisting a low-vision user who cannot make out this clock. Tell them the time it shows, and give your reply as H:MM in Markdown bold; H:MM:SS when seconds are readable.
**12:10**
